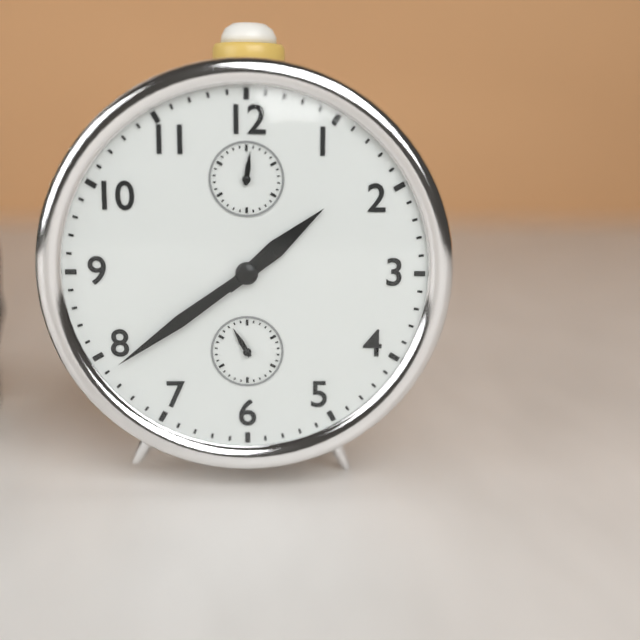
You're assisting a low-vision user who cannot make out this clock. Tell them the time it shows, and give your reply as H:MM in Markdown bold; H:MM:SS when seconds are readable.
**1:39**
